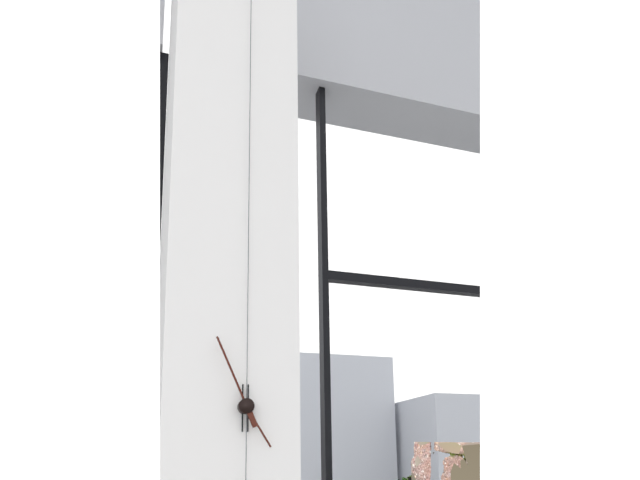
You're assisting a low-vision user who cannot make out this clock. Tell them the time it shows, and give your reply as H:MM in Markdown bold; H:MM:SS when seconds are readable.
**4:56**
